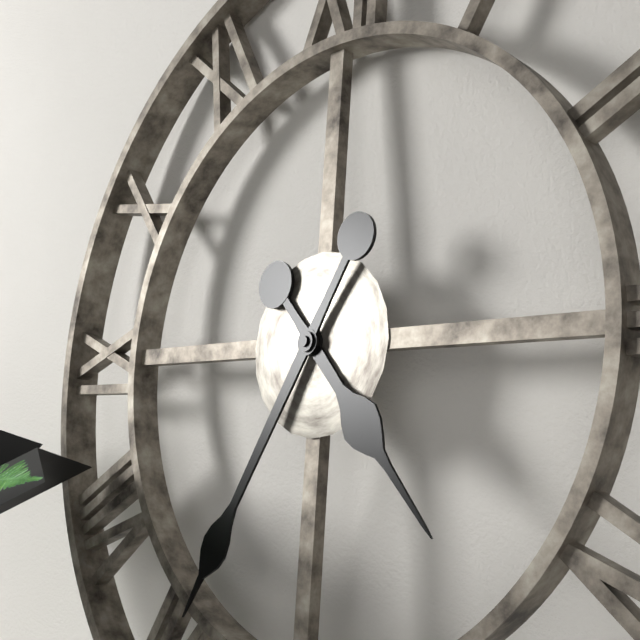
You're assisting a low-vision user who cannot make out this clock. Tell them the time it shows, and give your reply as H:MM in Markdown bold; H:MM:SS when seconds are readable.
**4:35**
